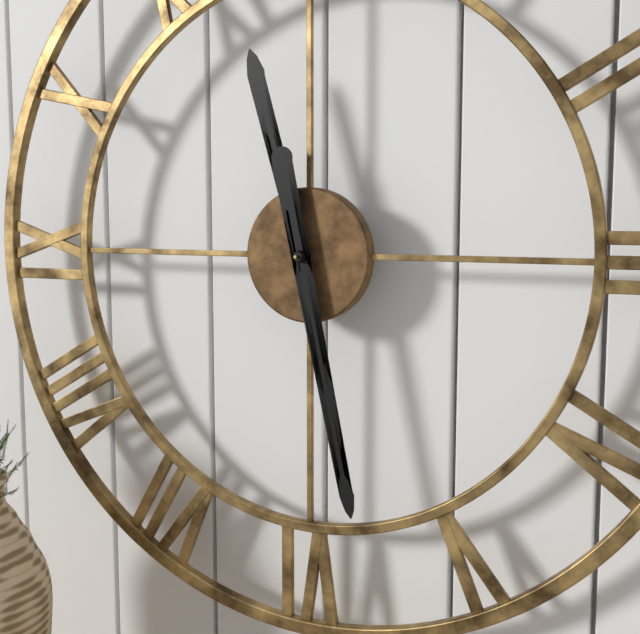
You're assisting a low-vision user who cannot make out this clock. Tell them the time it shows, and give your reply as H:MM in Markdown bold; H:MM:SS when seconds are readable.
**11:28**
